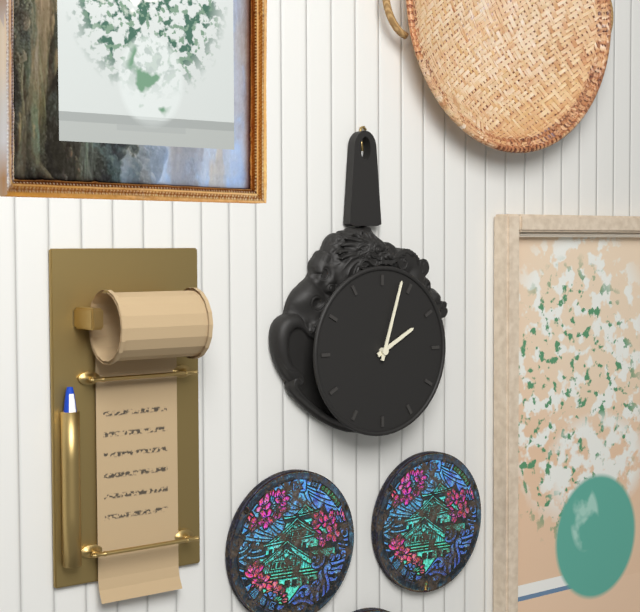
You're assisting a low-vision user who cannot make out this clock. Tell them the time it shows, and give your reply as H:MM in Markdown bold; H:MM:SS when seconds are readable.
**2:03**
